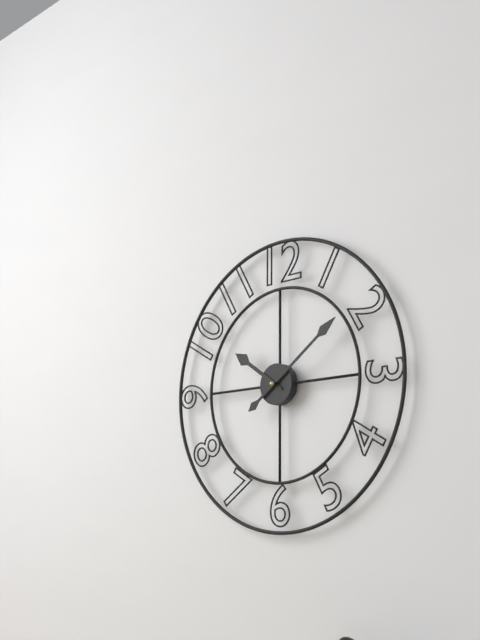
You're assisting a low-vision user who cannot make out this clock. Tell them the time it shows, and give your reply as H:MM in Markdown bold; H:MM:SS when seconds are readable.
**10:09**
